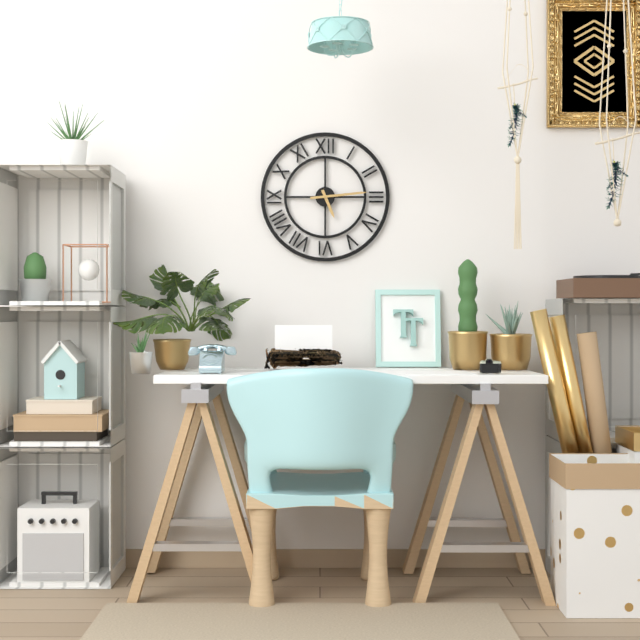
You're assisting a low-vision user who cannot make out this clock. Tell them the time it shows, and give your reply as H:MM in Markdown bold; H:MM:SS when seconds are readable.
**5:14**
